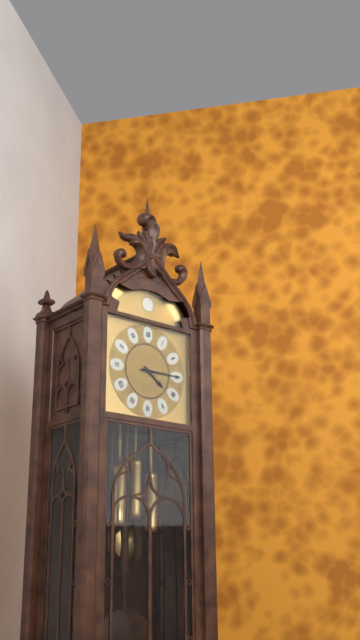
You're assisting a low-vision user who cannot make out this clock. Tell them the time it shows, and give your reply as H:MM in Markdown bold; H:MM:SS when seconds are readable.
**4:15**
